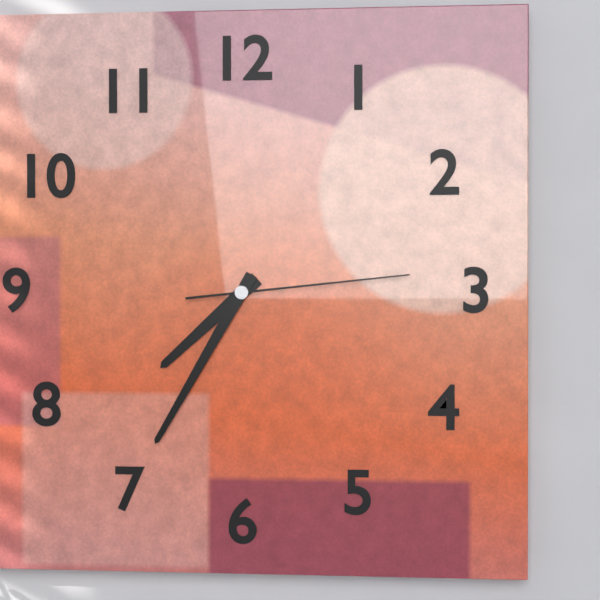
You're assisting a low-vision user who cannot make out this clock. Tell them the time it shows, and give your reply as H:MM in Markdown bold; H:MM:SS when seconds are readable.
**7:35:14**
